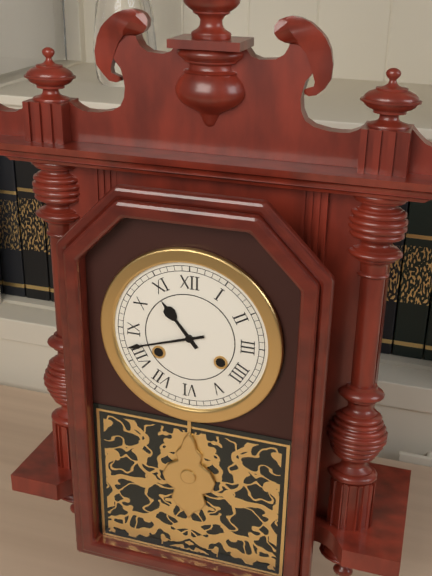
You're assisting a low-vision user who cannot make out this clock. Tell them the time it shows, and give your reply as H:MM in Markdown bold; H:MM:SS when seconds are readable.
**10:42**
